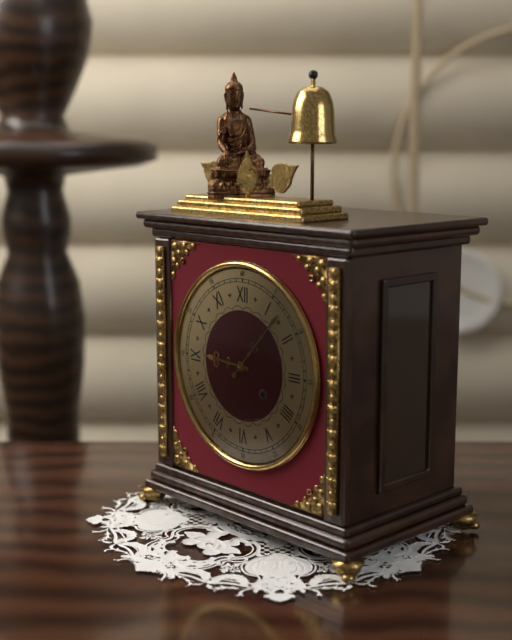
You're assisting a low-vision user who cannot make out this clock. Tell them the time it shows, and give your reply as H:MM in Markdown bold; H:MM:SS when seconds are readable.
**9:07**
